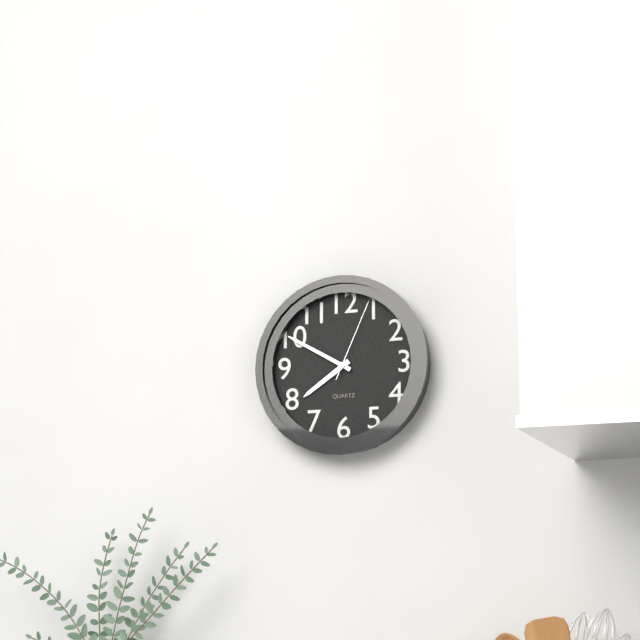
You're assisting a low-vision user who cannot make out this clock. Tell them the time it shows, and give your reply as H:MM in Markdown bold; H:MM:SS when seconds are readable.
**7:50:04**
